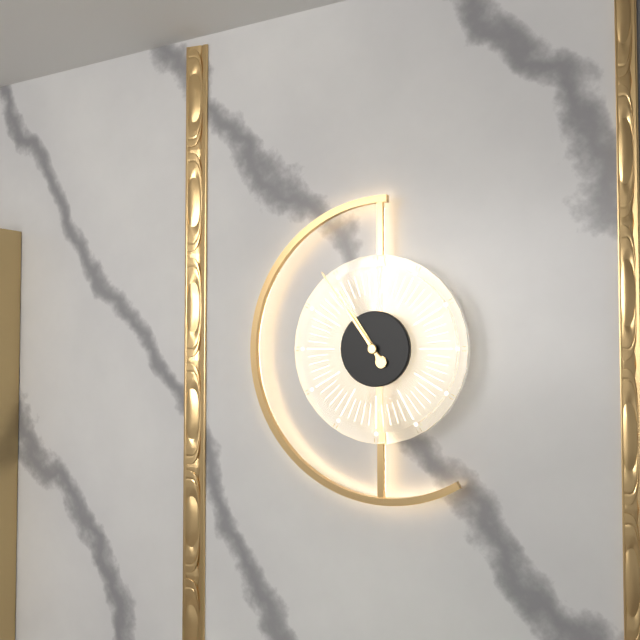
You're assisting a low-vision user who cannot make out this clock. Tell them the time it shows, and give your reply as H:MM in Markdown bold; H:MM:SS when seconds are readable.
**10:54**
